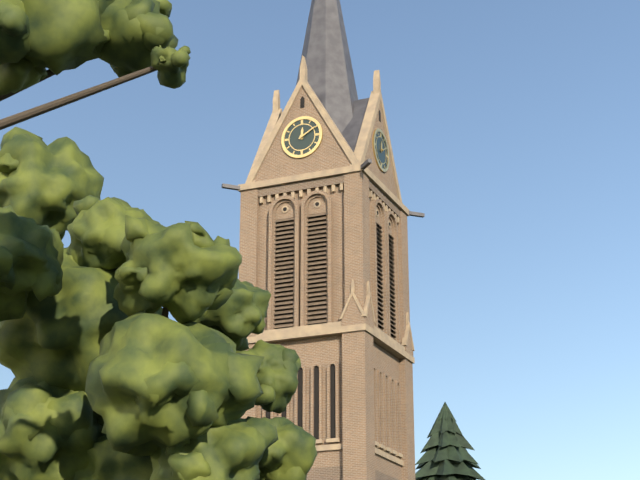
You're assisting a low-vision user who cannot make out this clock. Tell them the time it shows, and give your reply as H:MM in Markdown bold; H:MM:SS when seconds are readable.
**12:10**
